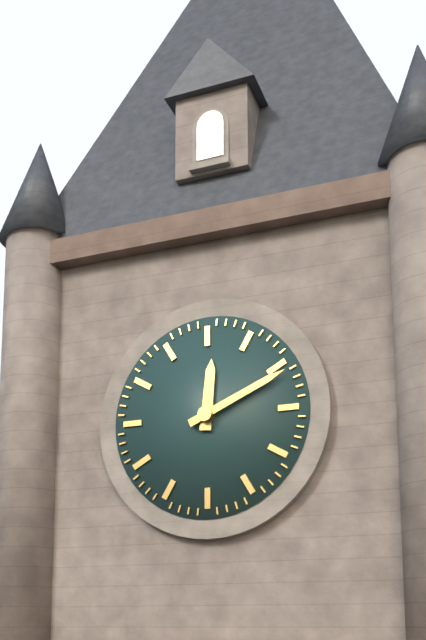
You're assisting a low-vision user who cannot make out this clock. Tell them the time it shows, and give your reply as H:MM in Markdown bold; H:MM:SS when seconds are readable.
**12:11**
